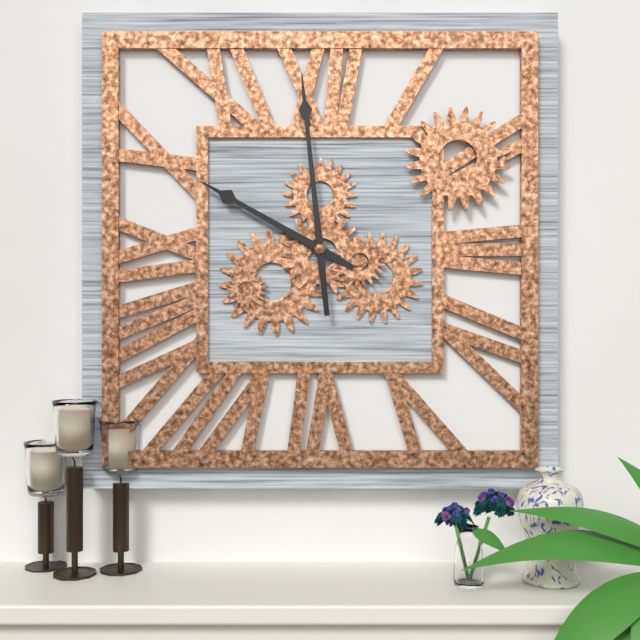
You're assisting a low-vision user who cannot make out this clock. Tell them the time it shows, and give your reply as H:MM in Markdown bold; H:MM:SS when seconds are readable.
**9:59**
